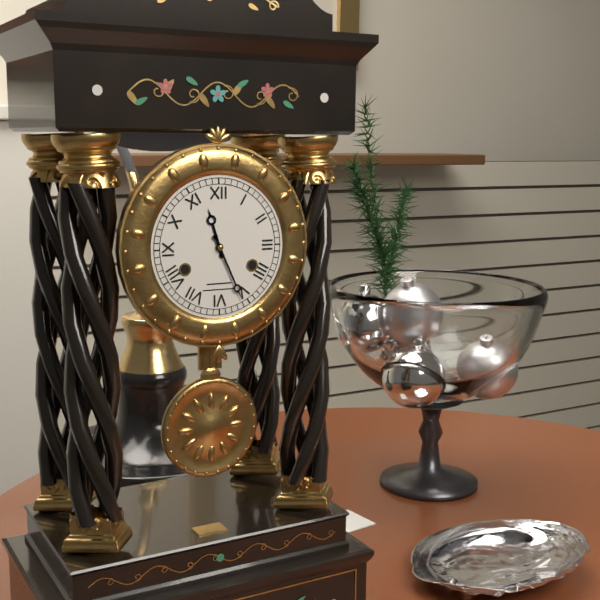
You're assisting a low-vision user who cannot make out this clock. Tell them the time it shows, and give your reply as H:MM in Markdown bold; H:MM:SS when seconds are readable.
**11:26**
